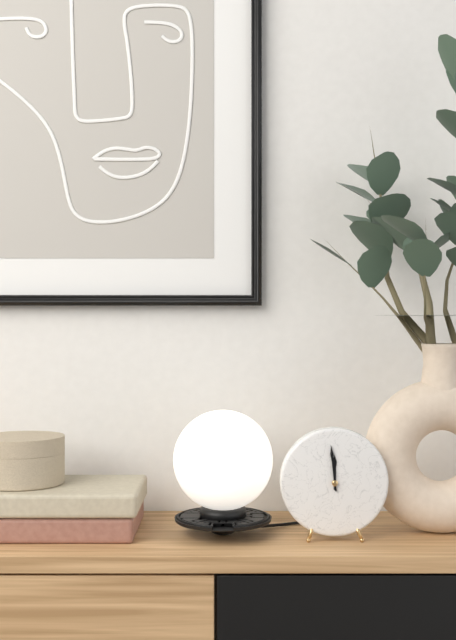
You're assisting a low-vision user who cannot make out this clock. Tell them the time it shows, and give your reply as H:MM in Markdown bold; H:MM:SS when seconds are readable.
**11:59**
